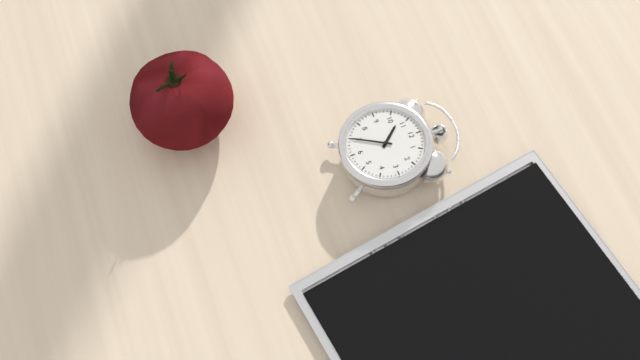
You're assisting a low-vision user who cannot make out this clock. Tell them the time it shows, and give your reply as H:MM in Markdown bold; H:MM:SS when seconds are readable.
**10:35**
